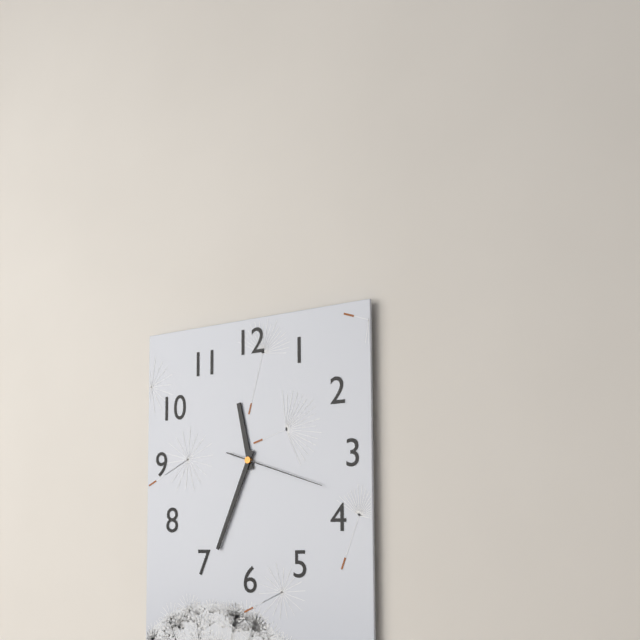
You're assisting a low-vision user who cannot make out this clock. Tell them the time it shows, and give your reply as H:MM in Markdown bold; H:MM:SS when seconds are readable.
**11:34:18**
